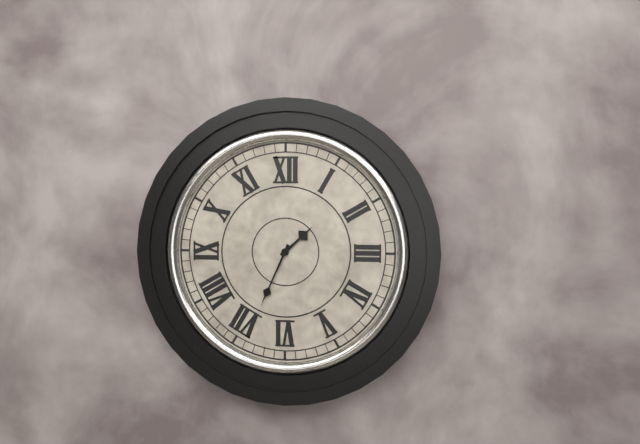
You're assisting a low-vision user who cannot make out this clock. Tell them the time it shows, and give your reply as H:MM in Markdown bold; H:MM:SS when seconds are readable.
**1:34**
